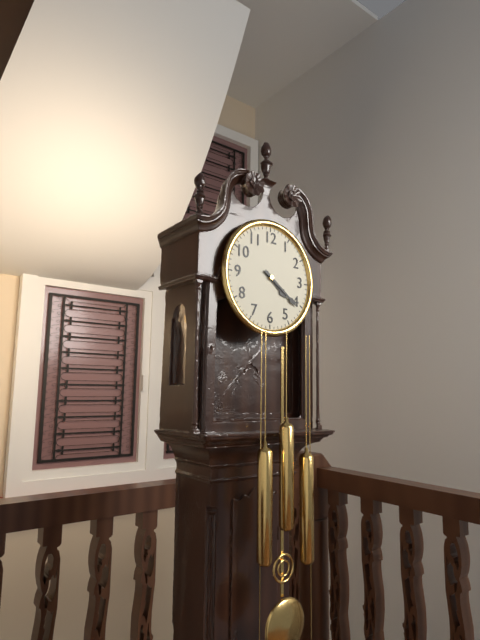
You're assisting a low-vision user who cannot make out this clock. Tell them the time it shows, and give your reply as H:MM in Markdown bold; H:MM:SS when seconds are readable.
**4:21**
